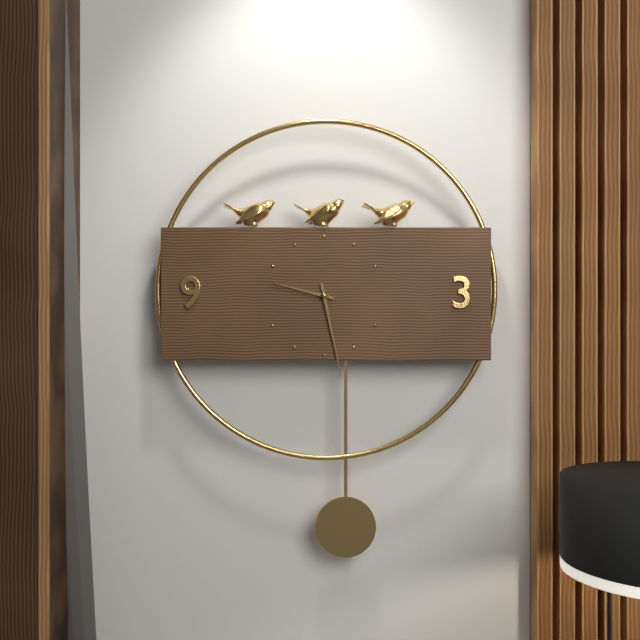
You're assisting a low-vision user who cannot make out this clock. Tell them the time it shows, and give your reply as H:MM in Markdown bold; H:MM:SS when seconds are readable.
**9:28**
